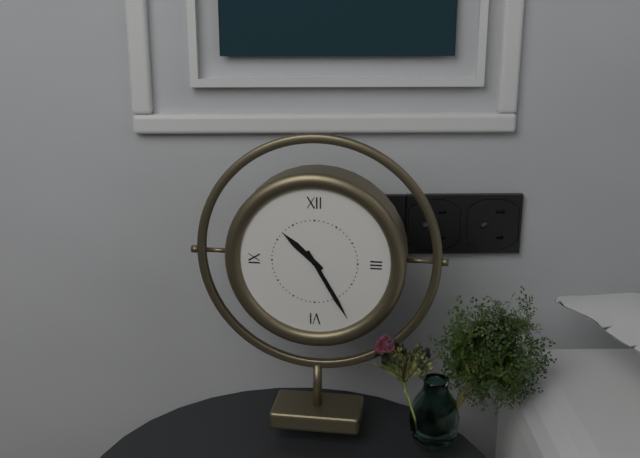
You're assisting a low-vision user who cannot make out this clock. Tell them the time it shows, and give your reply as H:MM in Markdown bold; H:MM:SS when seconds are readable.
**10:25**
